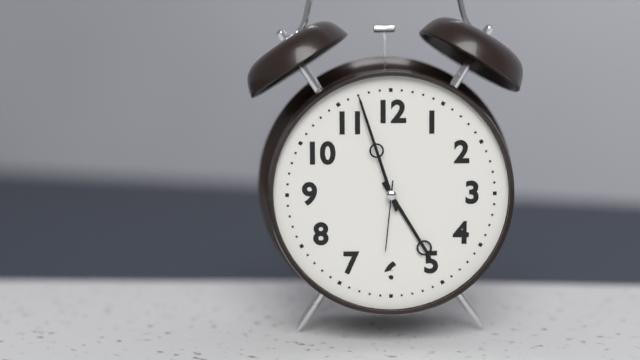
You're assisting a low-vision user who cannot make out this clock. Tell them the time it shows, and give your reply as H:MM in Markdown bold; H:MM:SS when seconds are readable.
**4:57:31**
